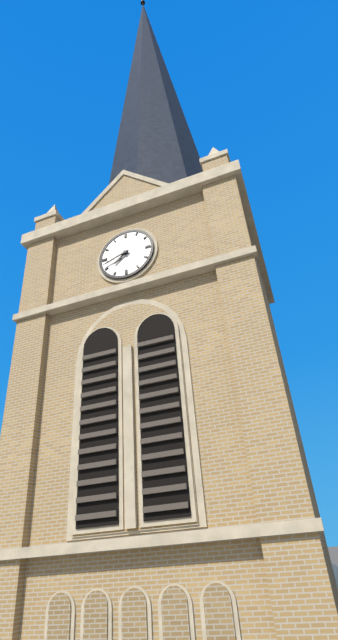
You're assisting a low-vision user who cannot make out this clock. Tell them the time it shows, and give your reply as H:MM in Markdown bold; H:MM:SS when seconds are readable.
**7:42**
